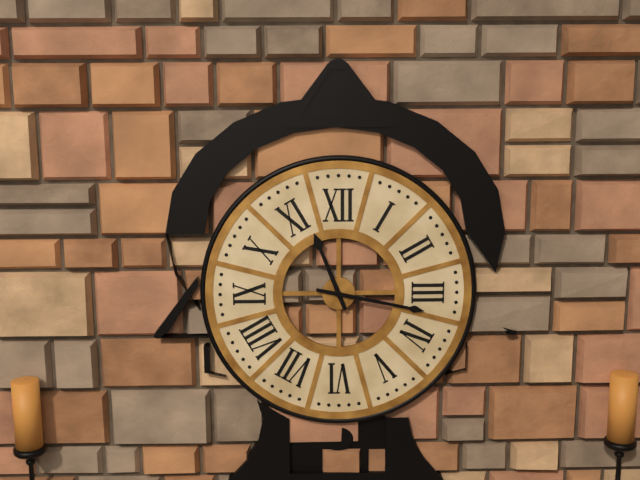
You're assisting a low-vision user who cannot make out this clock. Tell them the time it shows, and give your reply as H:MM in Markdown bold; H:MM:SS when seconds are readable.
**11:17**
